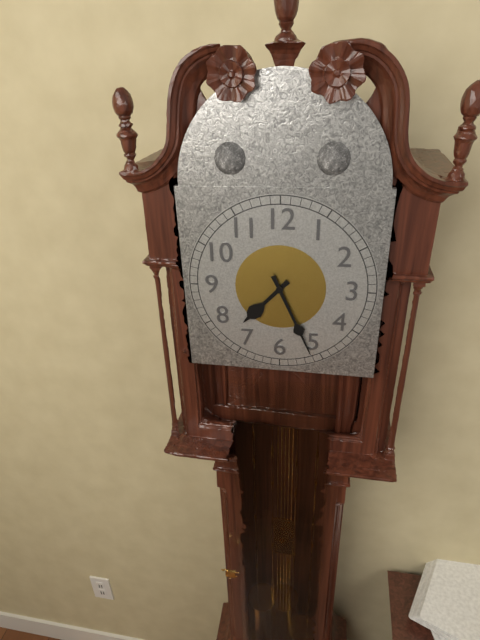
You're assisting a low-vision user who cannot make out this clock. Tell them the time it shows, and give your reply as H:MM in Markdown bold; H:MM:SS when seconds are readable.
**7:26**
